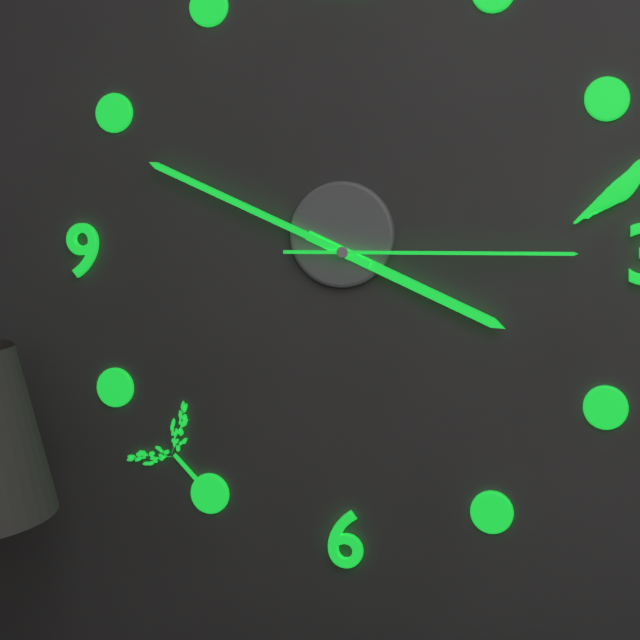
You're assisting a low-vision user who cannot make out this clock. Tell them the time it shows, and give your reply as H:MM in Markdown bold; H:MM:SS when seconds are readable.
**3:49:15**
